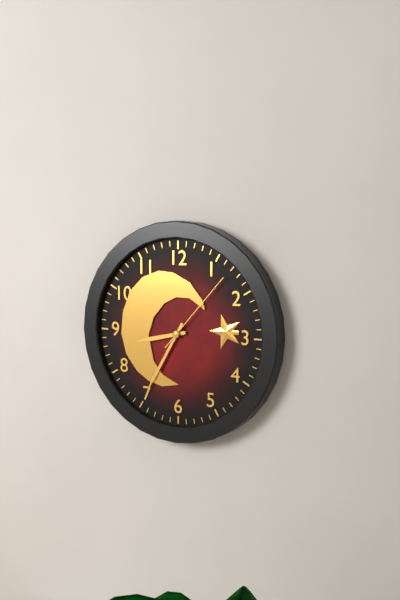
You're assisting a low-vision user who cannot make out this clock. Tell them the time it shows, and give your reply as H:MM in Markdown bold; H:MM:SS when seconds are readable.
**8:35:07**
